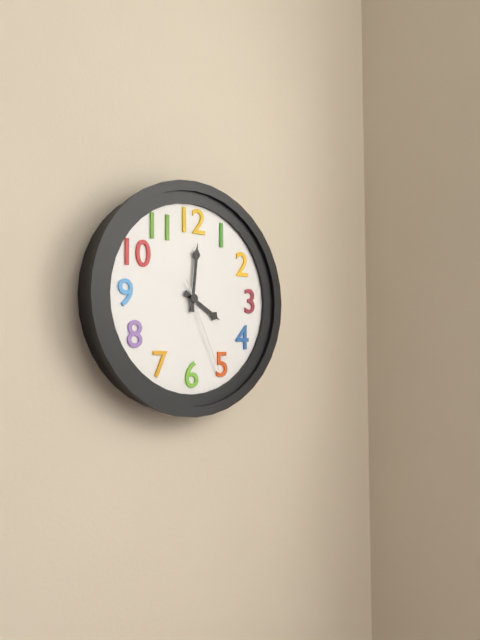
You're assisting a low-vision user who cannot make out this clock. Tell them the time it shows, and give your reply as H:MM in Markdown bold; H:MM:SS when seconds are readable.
**4:01:26**
